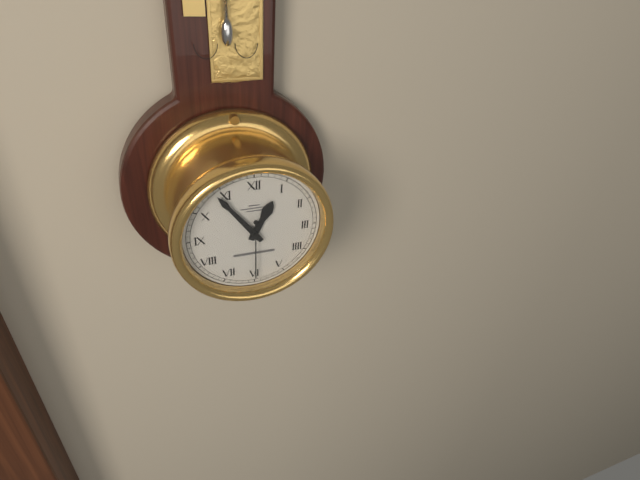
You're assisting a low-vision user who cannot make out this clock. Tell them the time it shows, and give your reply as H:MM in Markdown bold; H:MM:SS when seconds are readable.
**12:54:30**
